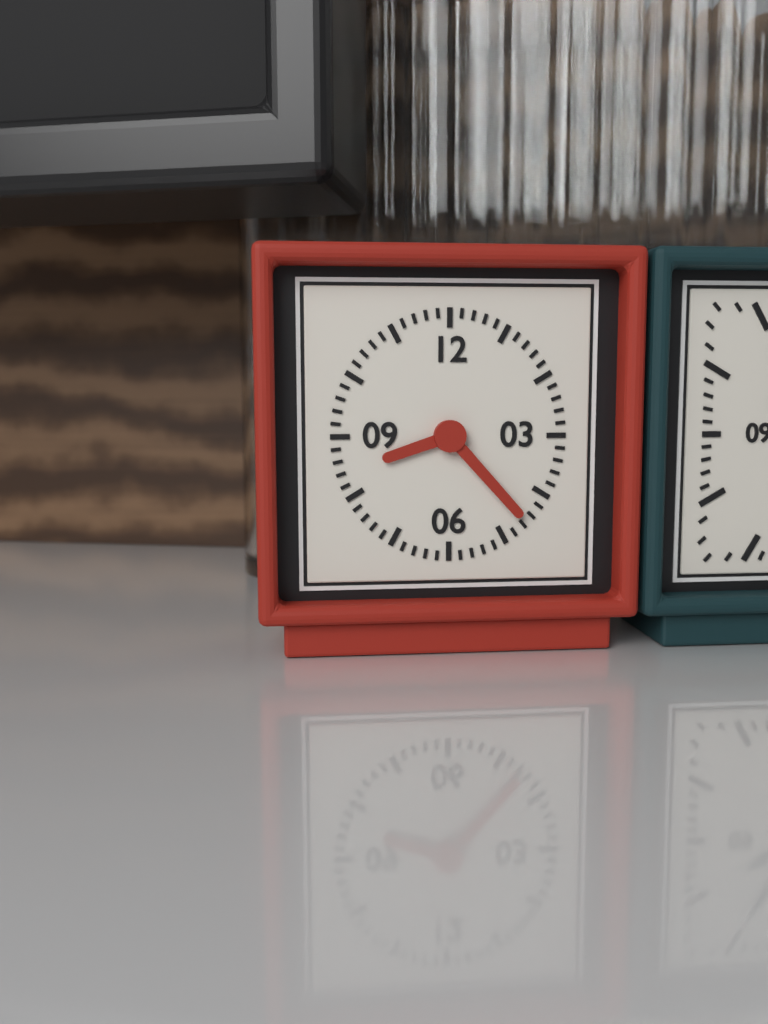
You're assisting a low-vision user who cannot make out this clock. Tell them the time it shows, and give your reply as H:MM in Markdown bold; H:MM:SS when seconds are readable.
**8:23**
